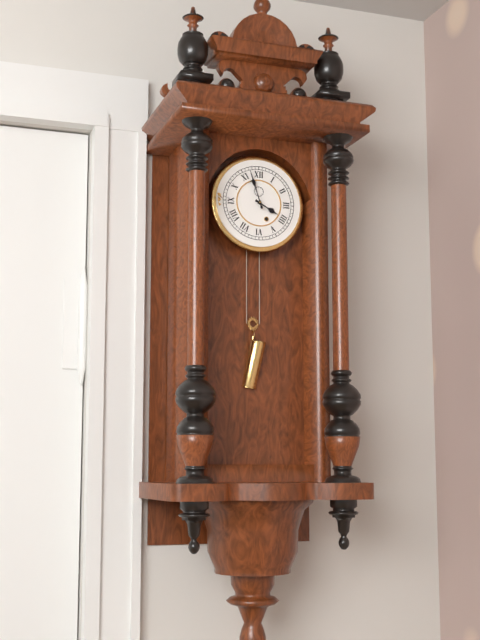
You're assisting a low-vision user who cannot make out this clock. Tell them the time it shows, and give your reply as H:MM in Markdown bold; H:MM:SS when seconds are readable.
**3:57**
